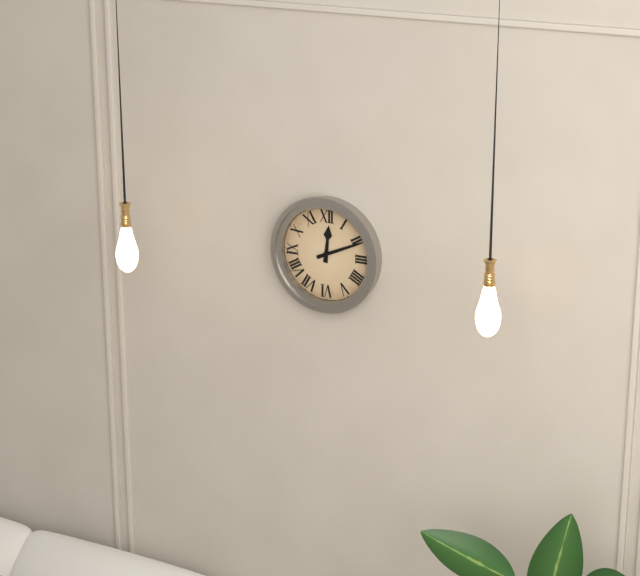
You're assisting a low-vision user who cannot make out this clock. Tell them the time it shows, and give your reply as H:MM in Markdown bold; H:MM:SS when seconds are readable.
**12:11**
